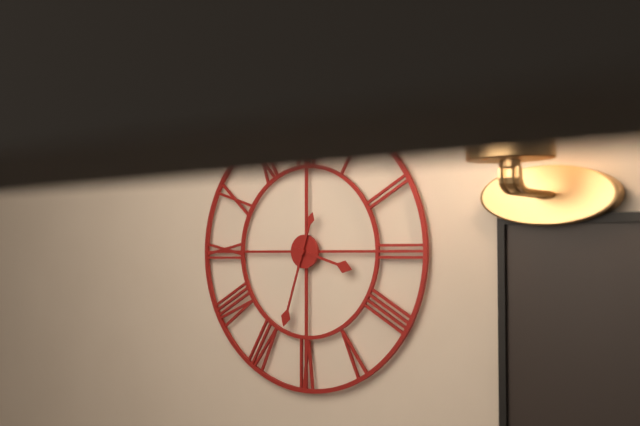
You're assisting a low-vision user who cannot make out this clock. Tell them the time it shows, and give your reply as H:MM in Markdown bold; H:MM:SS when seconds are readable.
**3:33**
